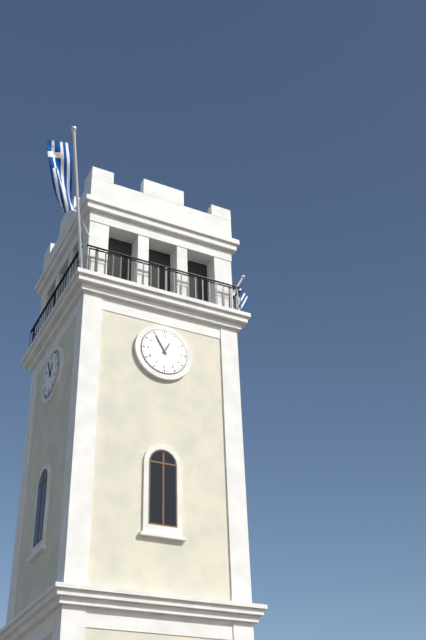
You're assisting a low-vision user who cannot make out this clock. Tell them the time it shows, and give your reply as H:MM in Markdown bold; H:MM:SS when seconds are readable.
**12:55**
